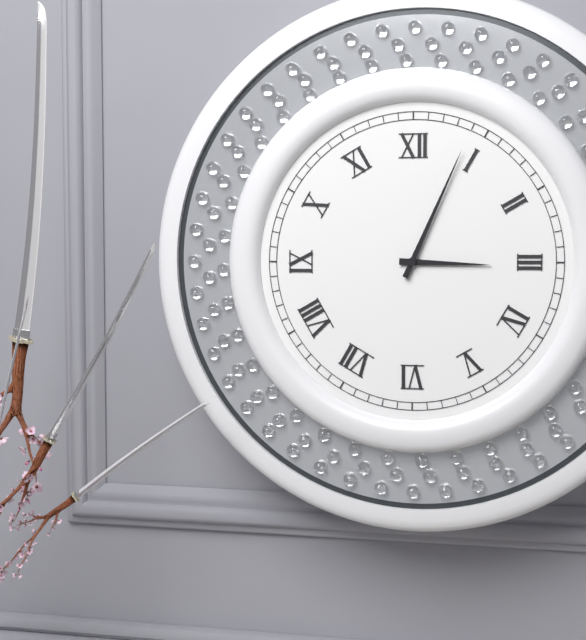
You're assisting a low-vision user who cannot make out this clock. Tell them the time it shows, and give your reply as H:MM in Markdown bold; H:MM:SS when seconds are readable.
**3:04**
